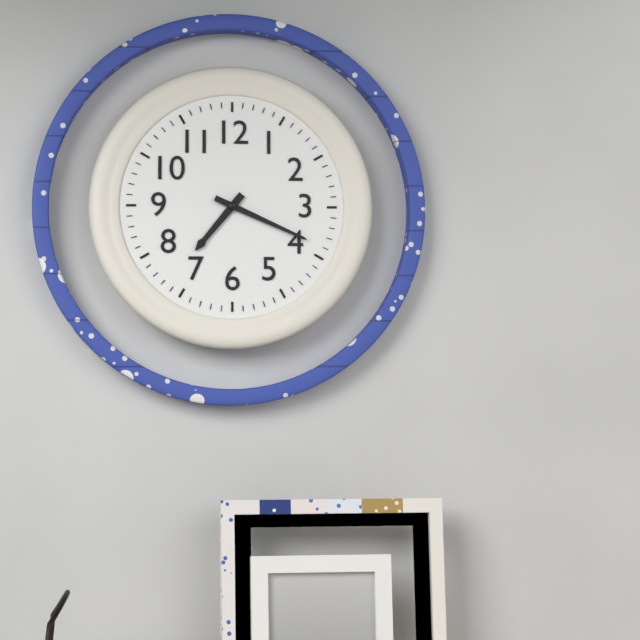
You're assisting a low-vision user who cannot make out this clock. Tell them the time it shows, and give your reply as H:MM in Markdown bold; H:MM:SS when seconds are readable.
**7:19**
